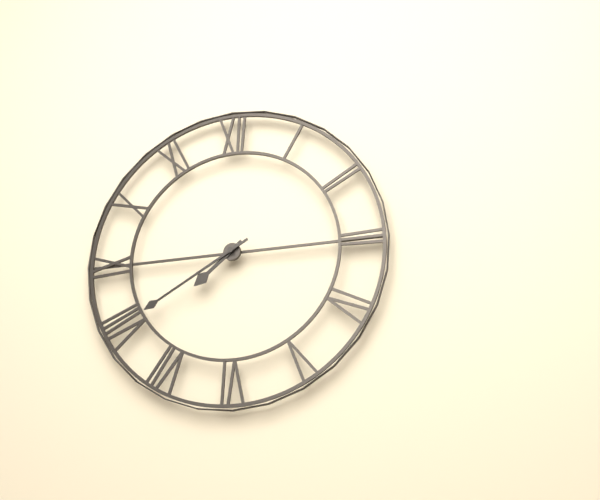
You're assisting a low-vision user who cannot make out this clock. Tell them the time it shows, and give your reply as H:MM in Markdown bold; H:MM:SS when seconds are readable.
**7:40**
